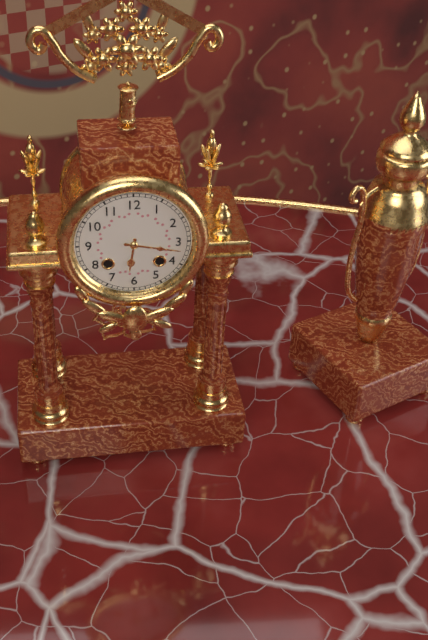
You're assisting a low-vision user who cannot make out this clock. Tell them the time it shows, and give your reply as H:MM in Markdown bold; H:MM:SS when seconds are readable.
**6:17**
